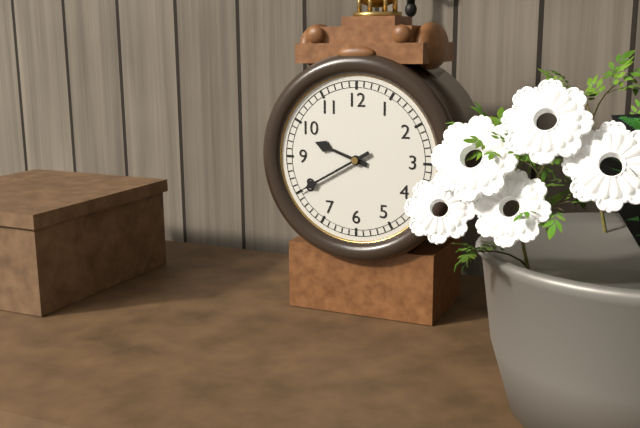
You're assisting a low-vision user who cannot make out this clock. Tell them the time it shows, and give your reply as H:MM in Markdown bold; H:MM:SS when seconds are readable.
**9:40**
